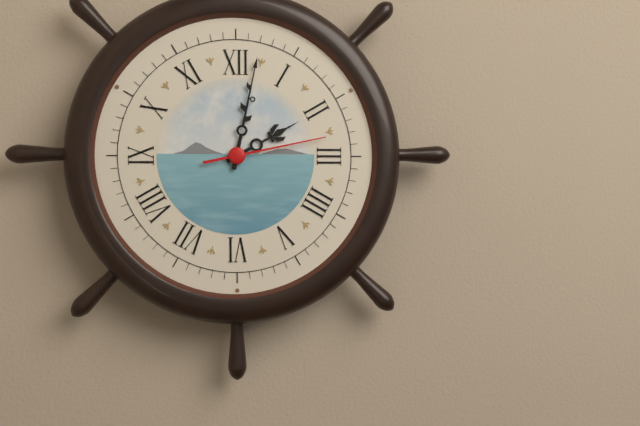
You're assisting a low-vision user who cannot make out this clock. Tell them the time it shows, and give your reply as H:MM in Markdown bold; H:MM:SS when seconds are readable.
**2:02:13**
